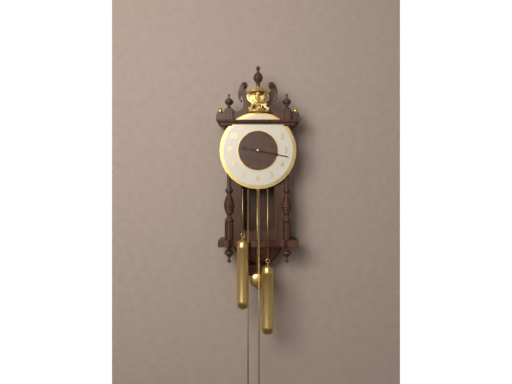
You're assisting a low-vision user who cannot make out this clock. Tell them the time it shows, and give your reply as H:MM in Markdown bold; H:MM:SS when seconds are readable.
**9:17**
